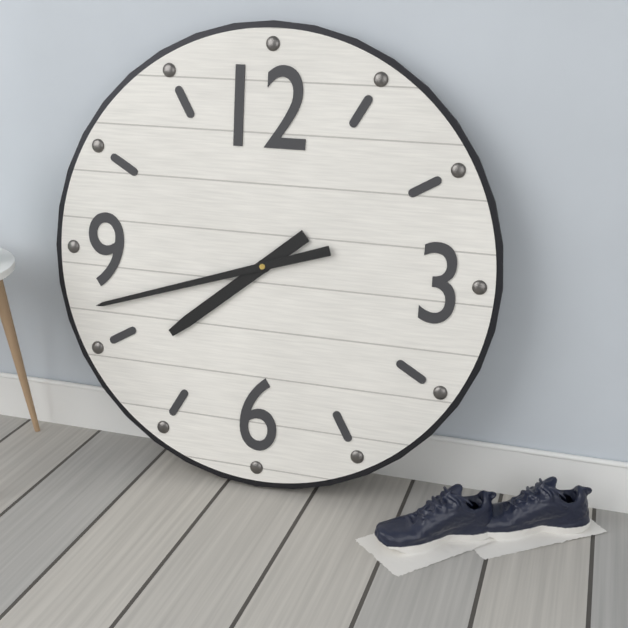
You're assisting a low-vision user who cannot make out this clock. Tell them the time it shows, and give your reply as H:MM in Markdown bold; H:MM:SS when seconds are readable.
**7:42**
